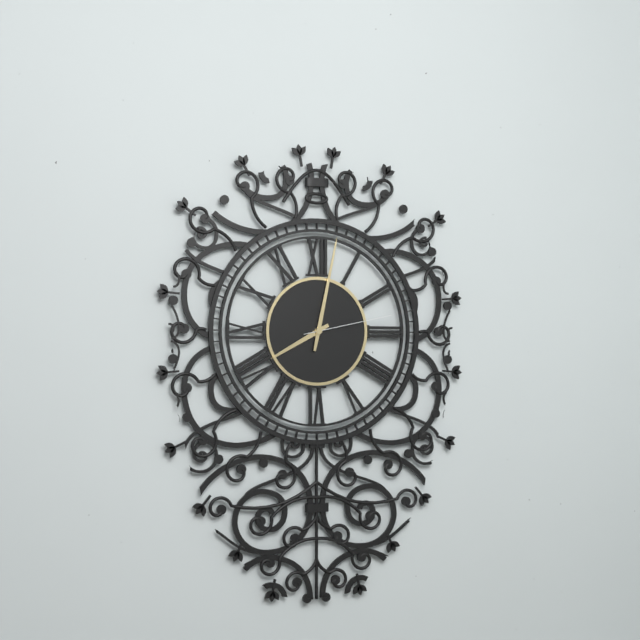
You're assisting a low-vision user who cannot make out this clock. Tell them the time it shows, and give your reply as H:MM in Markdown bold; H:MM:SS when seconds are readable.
**8:02:13**
